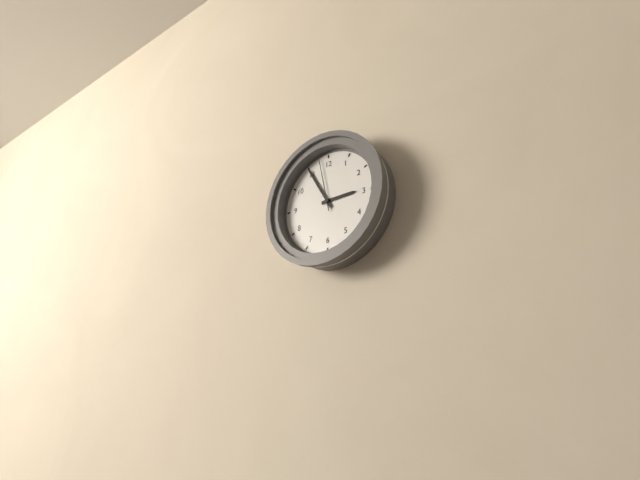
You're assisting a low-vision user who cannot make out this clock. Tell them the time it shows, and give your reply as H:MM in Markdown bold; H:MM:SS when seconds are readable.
**2:55:58**
